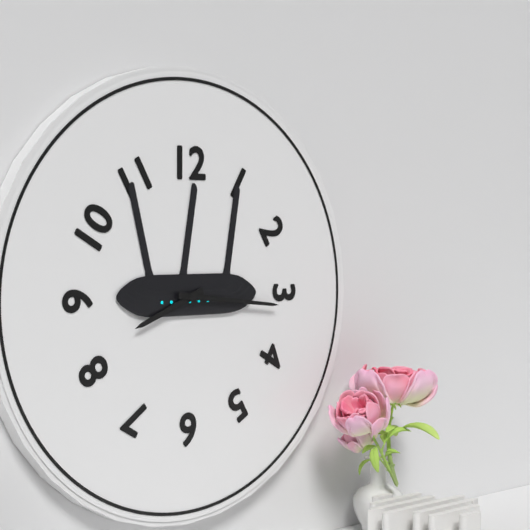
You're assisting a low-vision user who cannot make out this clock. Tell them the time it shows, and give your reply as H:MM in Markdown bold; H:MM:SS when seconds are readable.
**8:16**
